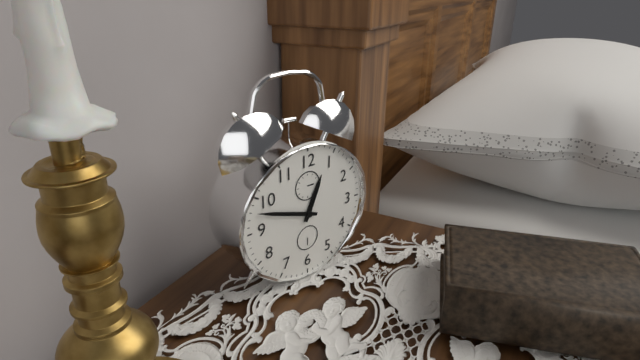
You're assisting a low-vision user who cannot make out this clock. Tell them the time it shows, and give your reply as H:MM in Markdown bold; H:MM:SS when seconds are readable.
**12:48**
